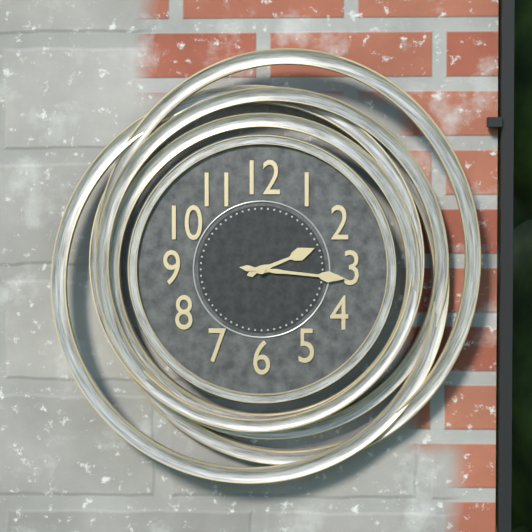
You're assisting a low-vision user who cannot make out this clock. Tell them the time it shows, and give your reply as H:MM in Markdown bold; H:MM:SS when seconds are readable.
**2:16**
